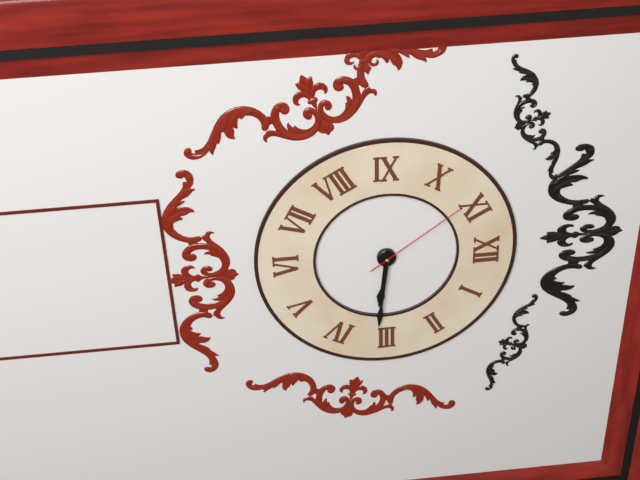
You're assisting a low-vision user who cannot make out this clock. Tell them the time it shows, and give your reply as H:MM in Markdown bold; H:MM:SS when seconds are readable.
**3:16:54**
